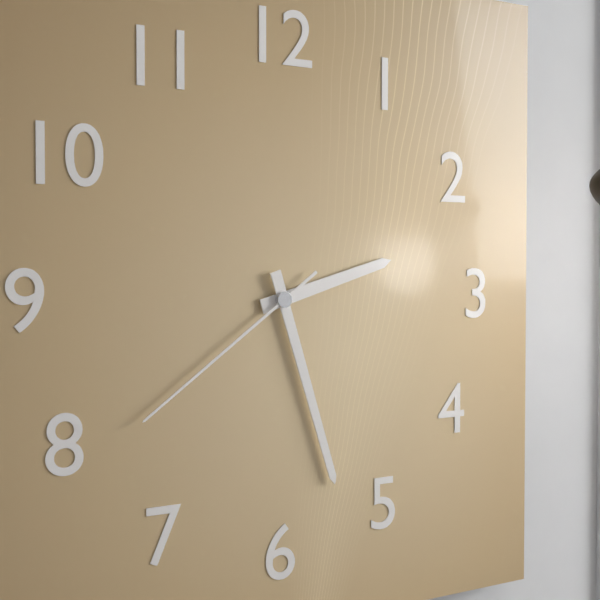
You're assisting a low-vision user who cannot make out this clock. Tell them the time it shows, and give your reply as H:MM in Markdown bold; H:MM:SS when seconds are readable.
**2:27:39**
